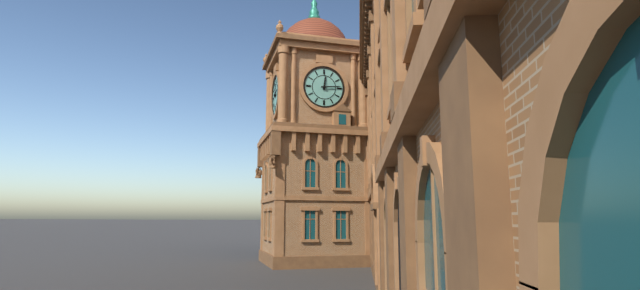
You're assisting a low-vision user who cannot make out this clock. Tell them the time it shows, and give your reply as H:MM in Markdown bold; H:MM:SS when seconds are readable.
**12:14**
